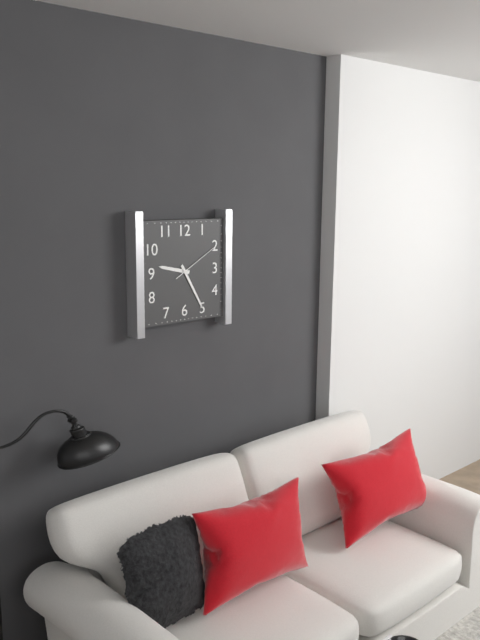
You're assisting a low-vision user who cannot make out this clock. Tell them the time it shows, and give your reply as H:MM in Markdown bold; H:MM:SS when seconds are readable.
**9:25**
